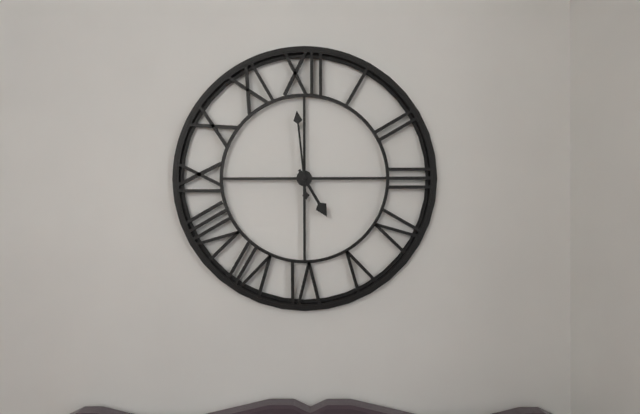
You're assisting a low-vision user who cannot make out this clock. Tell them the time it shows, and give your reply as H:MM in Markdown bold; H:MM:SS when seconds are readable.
**4:59**
